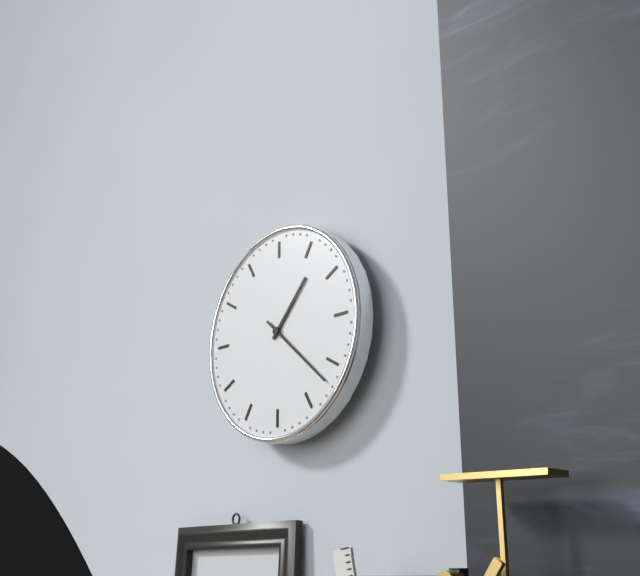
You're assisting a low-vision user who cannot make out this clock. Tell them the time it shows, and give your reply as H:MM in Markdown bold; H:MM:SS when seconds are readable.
**1:22**
